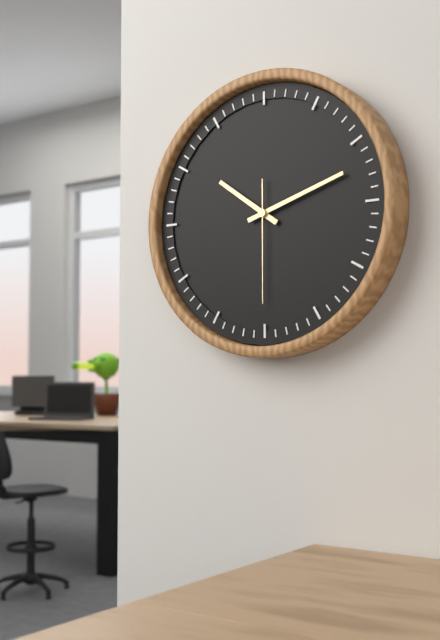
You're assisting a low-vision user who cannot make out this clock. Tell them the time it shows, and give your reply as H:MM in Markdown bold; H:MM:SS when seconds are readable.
**10:12:30**
